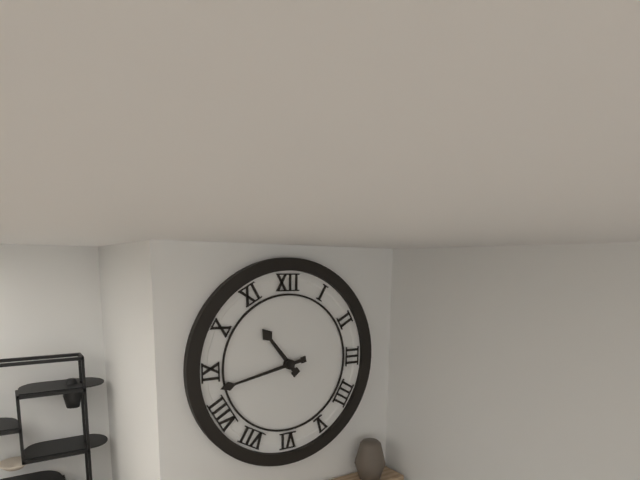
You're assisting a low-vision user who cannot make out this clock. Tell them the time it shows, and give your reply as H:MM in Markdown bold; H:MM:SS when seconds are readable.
**10:43**
